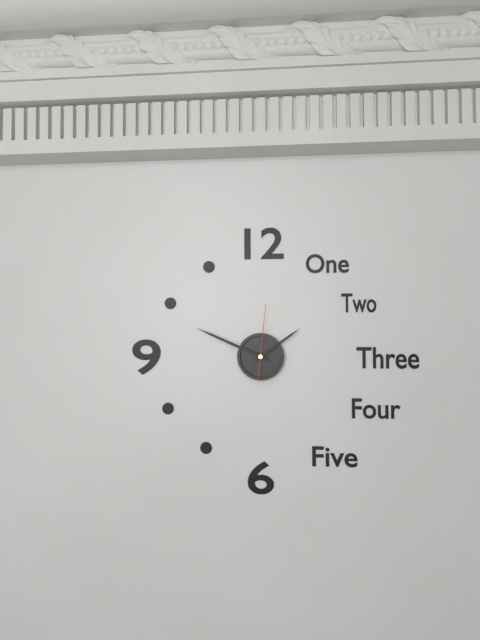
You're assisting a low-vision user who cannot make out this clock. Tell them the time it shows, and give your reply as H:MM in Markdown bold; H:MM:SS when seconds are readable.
**1:49:01**
